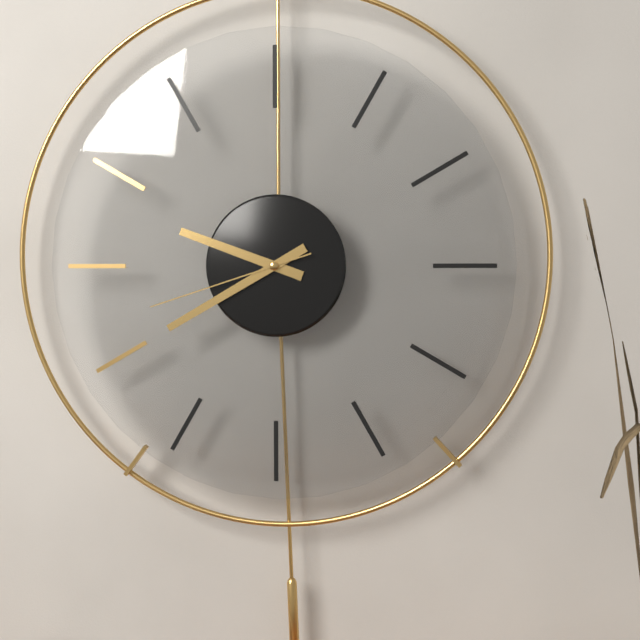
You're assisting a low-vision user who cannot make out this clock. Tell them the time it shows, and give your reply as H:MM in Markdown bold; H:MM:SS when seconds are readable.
**9:40:42**
